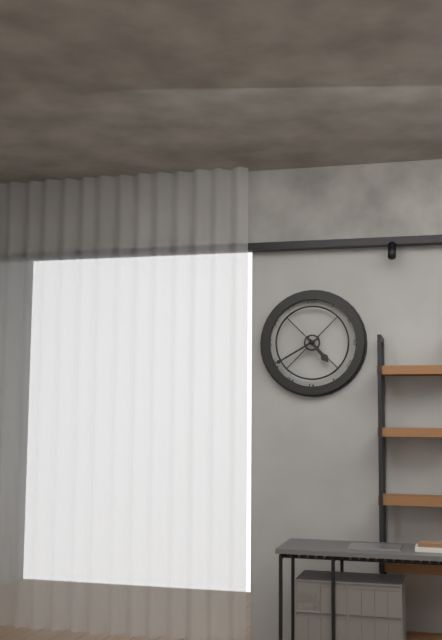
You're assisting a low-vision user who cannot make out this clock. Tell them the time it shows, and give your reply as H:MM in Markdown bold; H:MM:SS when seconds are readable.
**4:40**
